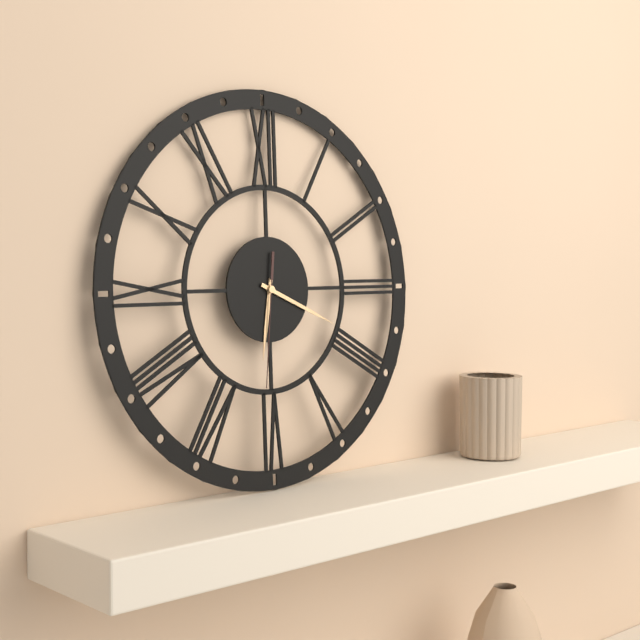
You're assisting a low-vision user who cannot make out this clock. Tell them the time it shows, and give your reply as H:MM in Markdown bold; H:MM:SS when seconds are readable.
**6:19:31**
